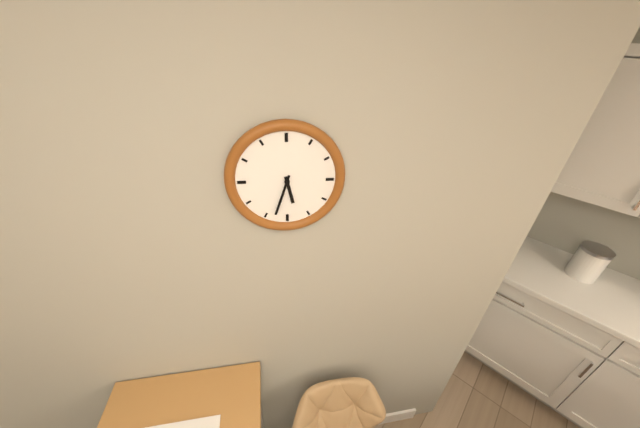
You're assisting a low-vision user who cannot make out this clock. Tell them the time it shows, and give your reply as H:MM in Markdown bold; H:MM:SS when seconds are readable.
**5:33**
